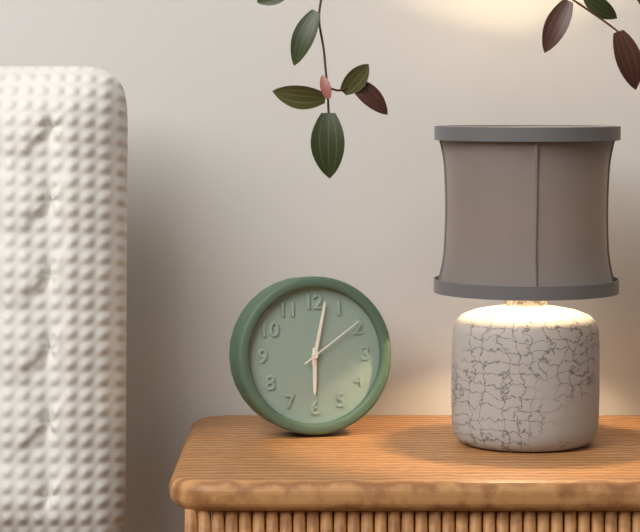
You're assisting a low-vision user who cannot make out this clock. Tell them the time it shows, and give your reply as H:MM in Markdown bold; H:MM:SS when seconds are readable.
**6:02:09**
